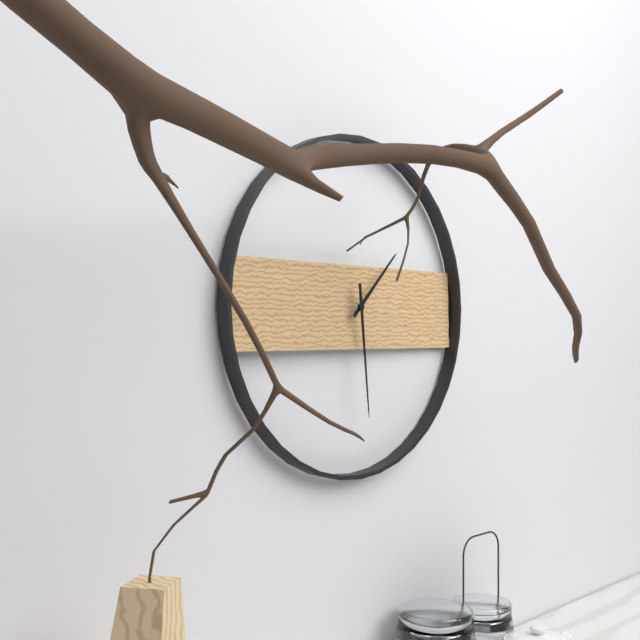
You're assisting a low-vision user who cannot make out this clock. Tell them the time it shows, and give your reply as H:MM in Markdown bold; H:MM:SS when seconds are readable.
**1:29**
